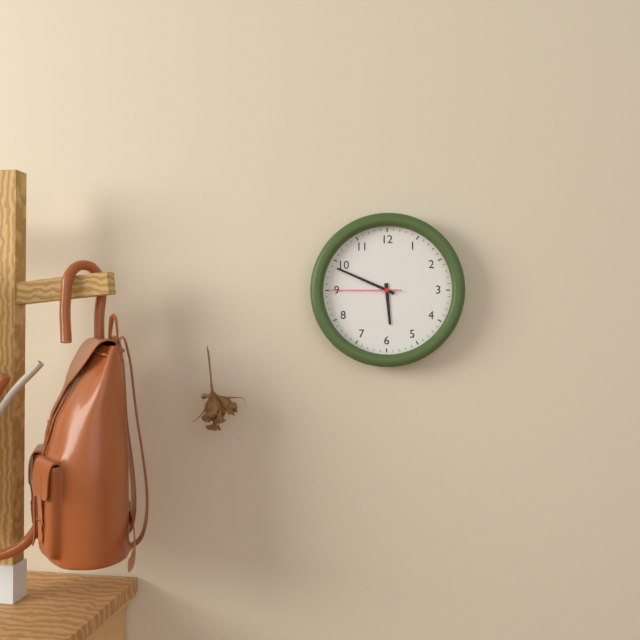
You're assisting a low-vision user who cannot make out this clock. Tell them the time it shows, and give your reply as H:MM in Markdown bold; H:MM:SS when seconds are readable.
**5:49:45**
